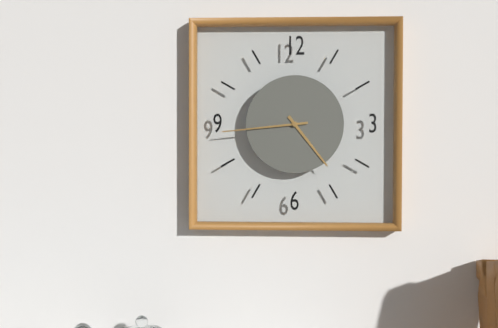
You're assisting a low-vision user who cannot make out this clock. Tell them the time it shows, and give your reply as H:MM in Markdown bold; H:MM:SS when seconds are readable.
**4:44**
